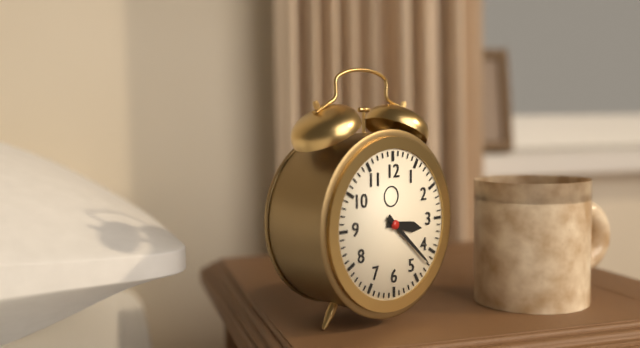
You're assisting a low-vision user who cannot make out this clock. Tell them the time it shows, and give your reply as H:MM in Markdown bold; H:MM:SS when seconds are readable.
**3:22**
